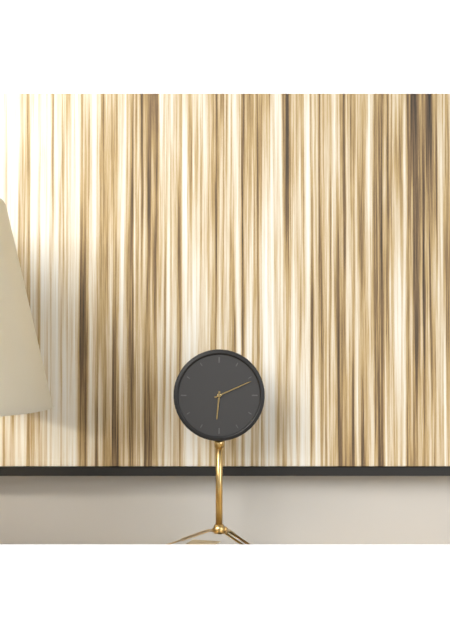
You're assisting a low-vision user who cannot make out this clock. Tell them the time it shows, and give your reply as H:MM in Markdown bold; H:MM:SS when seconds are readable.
**6:11**
